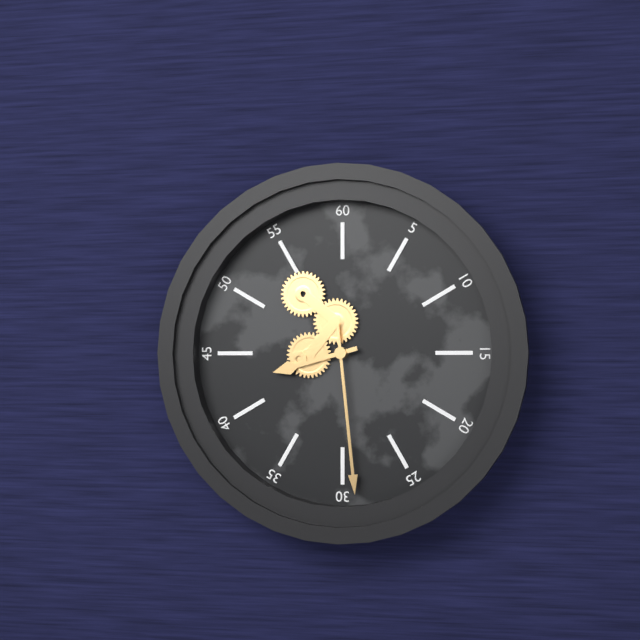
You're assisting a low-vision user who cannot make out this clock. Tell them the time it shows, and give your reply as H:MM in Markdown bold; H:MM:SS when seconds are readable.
**8:29**
